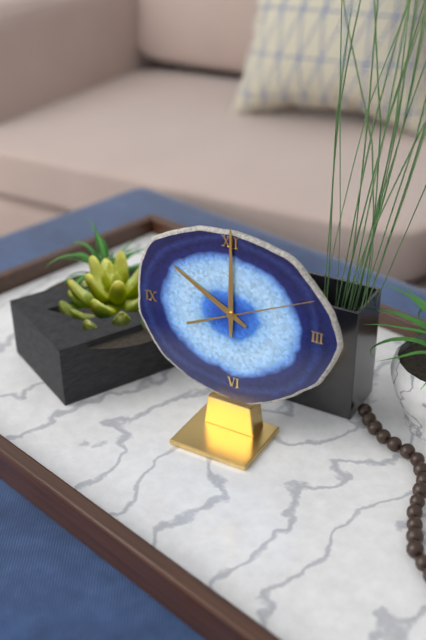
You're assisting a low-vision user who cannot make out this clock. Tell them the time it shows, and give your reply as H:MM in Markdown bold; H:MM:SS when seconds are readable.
**10:00:11**
